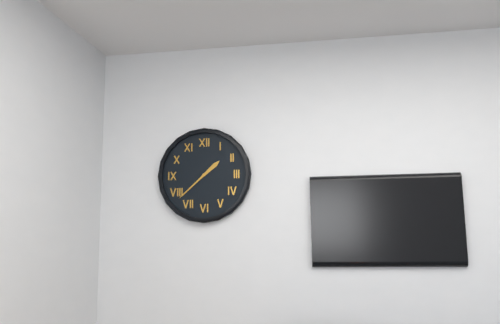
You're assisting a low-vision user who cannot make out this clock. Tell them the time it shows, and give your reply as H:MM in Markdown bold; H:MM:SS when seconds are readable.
**1:38**
